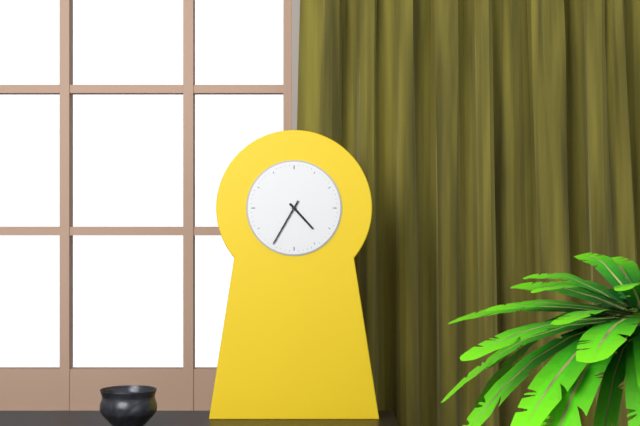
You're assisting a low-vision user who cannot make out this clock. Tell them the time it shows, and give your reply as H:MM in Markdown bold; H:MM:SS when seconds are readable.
**4:35**
